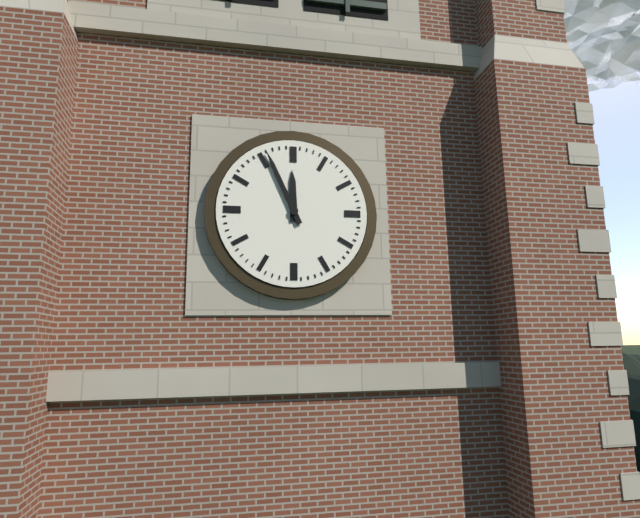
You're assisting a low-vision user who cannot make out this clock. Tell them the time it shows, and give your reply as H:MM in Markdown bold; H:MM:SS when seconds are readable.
**11:56**
